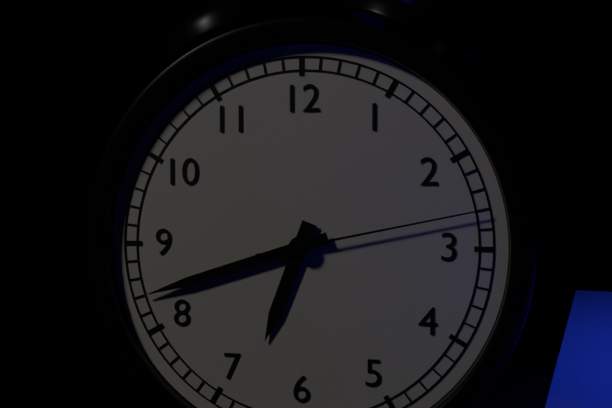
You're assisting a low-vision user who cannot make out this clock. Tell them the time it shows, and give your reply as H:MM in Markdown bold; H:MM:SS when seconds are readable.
**6:42:13**
